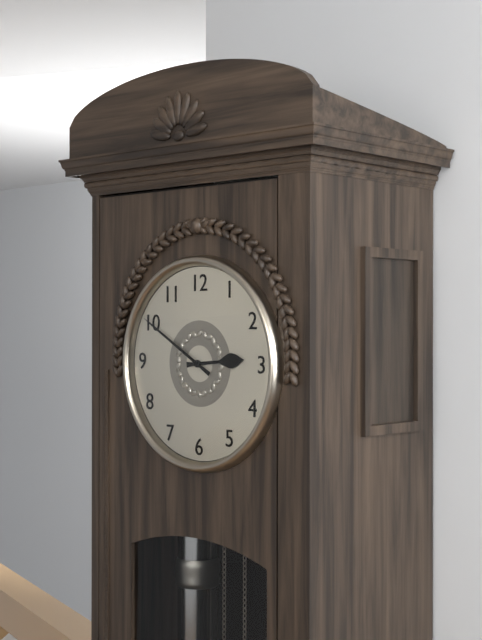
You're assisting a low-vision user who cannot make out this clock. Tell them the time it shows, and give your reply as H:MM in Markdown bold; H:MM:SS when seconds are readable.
**2:50**
